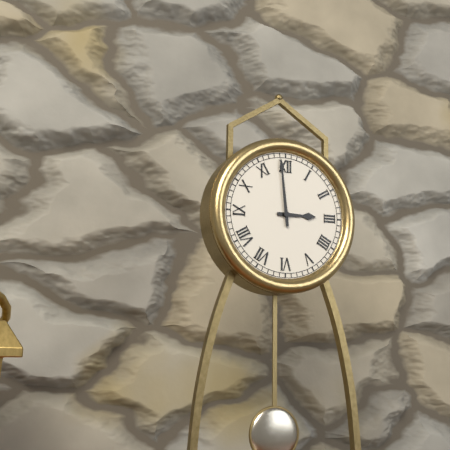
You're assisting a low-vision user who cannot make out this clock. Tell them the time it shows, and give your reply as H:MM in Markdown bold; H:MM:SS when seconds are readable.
**2:59**
